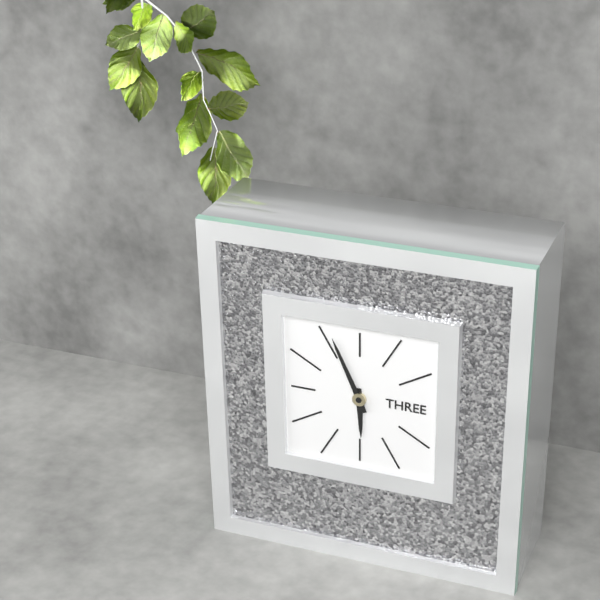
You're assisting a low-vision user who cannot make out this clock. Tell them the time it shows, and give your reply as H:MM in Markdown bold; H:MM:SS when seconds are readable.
**5:56**
